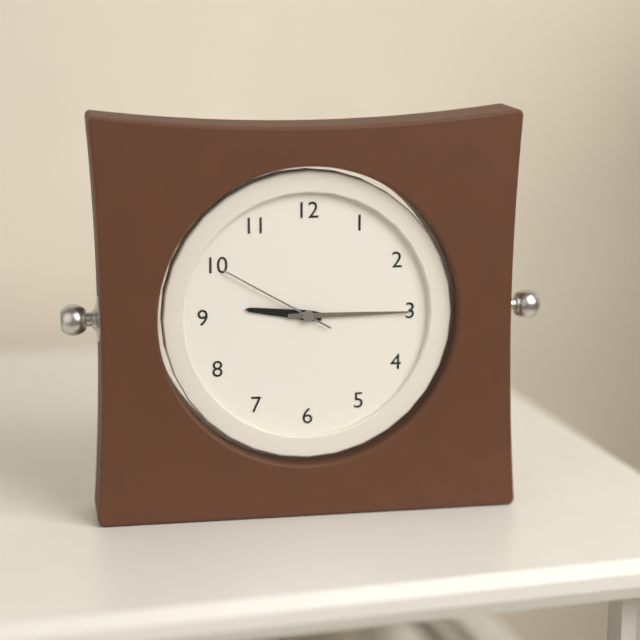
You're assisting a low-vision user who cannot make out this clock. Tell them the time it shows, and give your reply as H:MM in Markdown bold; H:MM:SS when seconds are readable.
**9:15:50**
